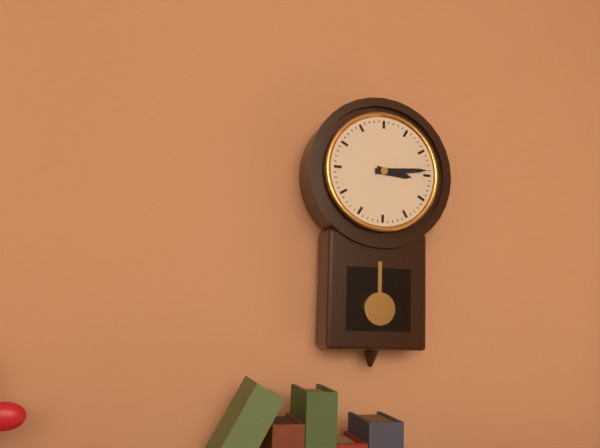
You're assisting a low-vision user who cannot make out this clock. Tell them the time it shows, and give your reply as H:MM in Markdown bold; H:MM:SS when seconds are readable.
**3:14**
